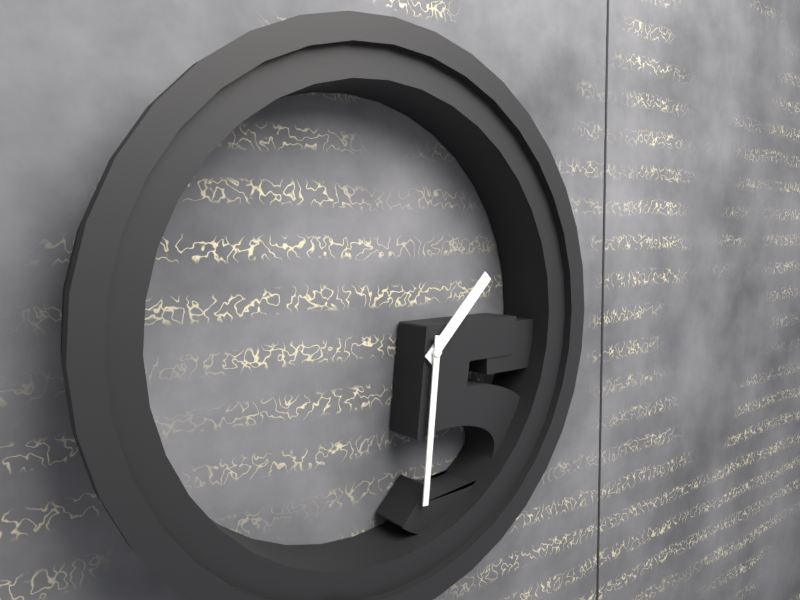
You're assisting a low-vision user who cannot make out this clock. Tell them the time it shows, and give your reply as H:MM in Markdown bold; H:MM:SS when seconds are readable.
**1:31**
